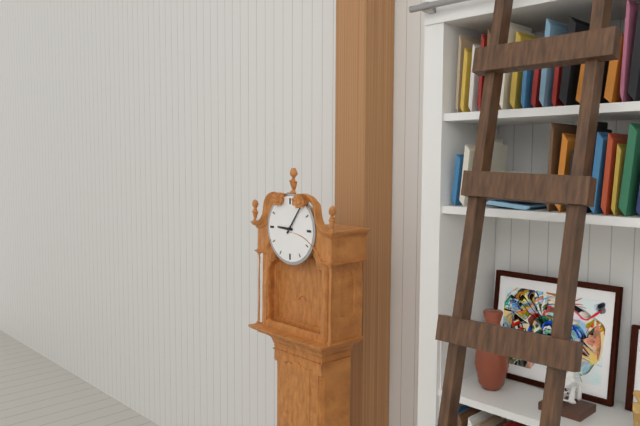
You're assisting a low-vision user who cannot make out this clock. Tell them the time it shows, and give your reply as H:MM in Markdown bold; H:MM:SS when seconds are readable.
**9:06**
